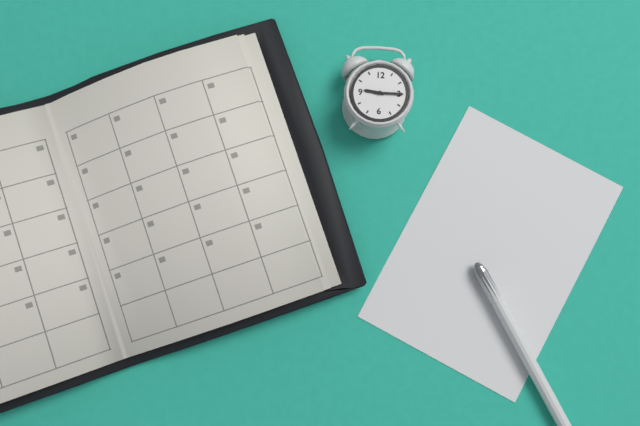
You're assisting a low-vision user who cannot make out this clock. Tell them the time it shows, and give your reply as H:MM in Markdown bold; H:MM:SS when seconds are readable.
**9:15**
